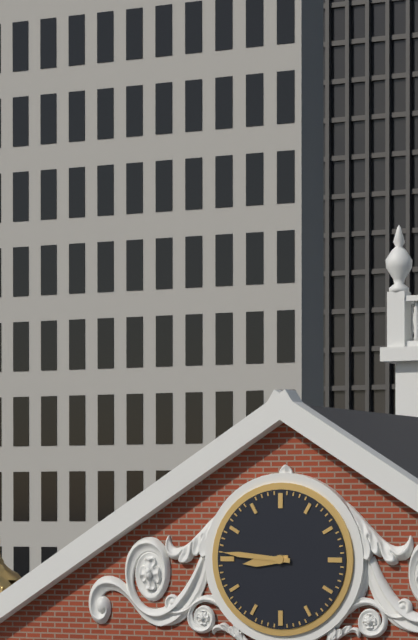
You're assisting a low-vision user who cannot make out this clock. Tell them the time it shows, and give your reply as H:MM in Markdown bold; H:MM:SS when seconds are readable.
**8:46**
